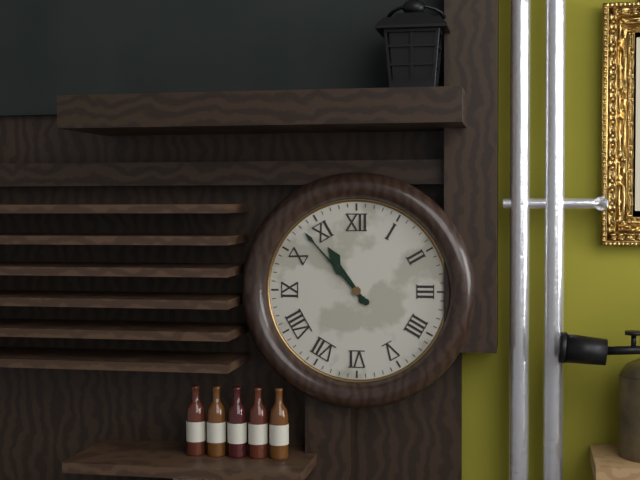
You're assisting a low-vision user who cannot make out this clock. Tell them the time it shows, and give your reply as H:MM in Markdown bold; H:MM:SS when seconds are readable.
**10:53**
